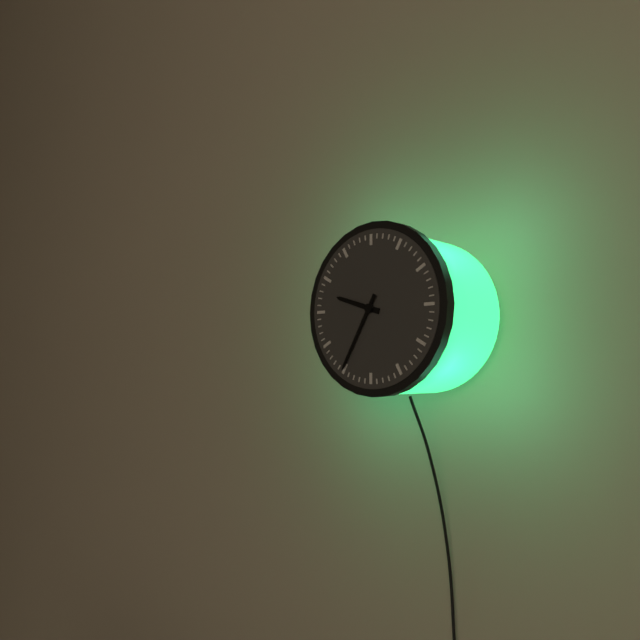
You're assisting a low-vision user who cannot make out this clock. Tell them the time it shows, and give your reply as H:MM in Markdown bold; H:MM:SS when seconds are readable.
**9:35**
